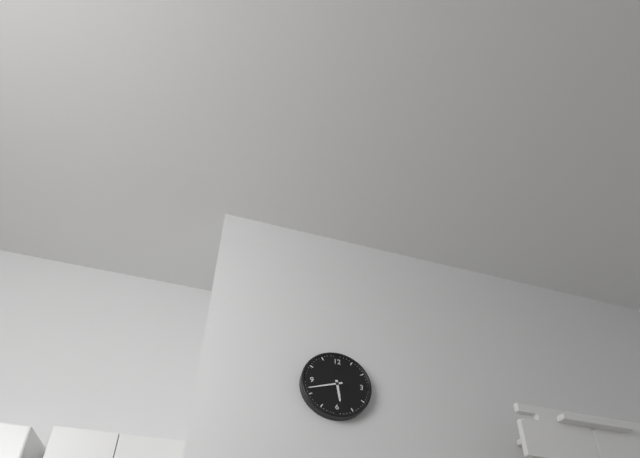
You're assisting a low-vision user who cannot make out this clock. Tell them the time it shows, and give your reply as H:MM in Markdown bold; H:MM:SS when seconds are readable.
**5:42**
